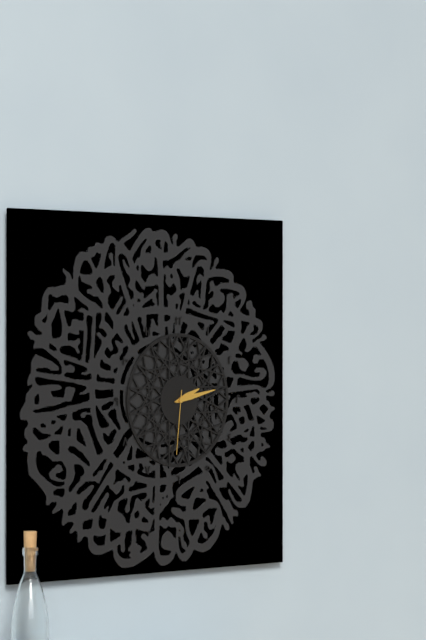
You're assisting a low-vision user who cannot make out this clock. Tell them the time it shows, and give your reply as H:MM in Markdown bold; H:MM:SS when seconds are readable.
**2:13:31**
